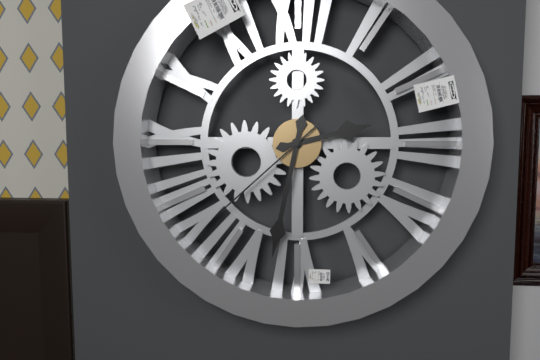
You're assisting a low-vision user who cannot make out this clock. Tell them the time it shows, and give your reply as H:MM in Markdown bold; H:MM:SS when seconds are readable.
**2:32:38**
